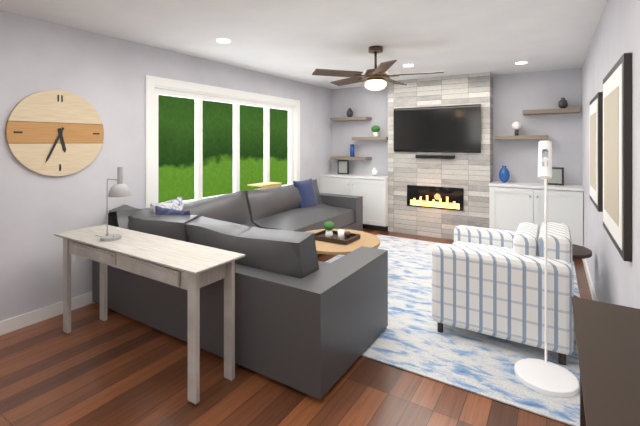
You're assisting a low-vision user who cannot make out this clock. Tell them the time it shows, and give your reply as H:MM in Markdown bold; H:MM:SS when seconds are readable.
**5:34**
